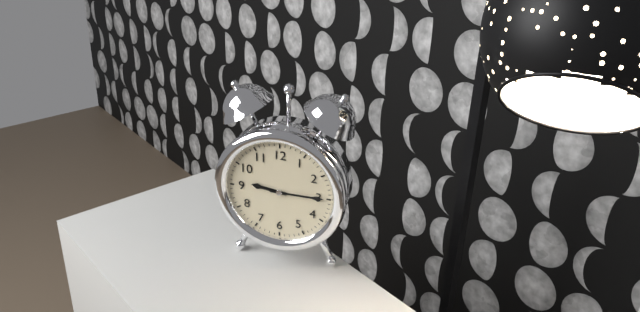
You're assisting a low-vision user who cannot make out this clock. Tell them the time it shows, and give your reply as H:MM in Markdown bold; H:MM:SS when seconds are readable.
**9:15**
